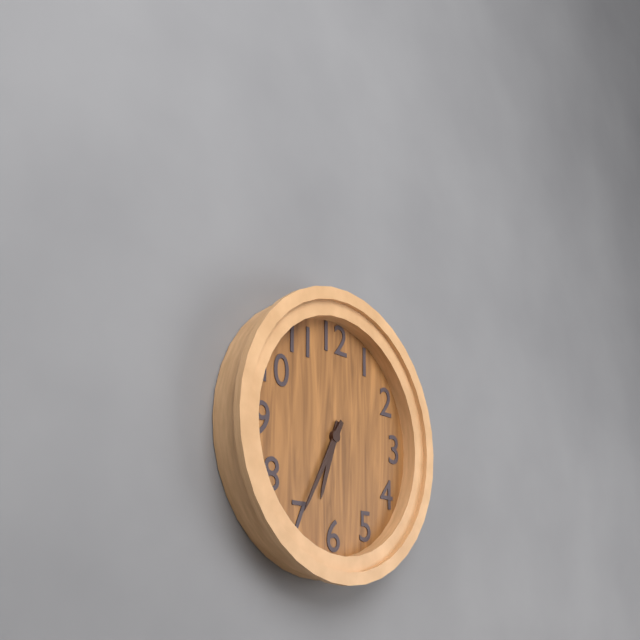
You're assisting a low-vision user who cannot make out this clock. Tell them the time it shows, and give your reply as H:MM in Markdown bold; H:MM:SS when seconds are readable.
**6:35**
